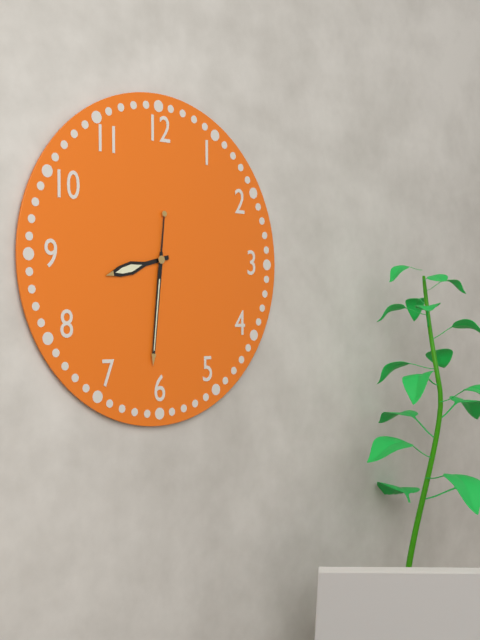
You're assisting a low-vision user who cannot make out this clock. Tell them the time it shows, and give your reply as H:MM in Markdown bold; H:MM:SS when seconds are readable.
**8:31**
